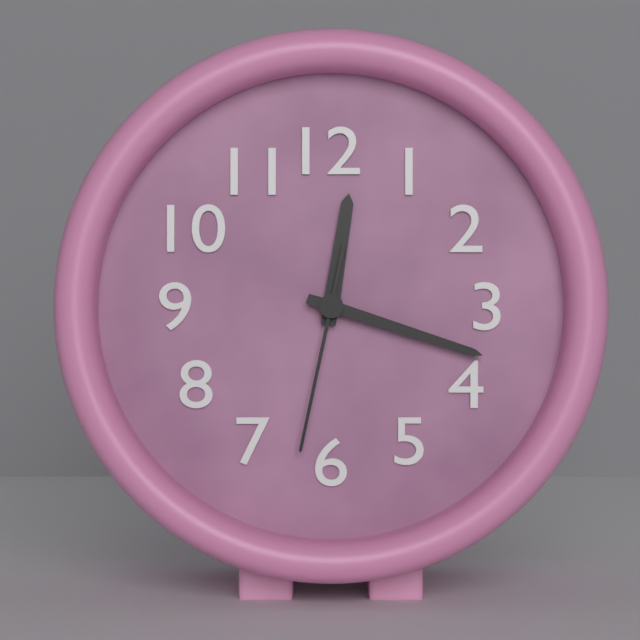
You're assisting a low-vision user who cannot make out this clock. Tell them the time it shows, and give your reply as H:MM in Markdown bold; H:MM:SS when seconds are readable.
**12:18:32**
